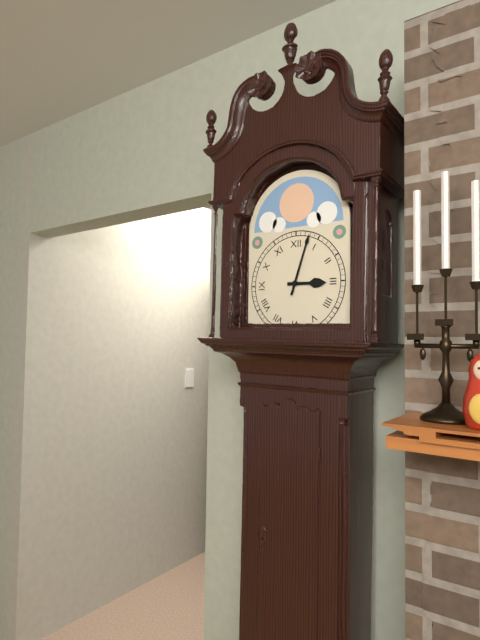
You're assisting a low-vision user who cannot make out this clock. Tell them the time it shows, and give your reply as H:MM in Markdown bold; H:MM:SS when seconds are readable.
**3:03**
